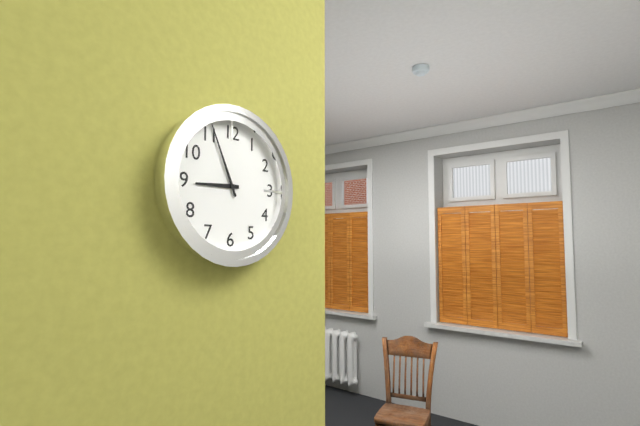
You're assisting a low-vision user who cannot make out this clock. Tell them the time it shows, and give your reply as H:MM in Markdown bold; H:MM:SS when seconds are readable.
**8:56**
